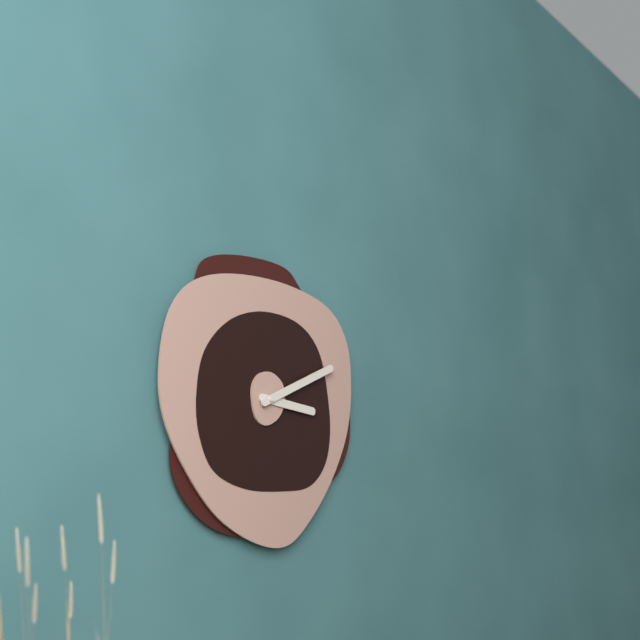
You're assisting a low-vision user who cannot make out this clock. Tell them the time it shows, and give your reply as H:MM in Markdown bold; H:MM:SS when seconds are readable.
**3:11**
